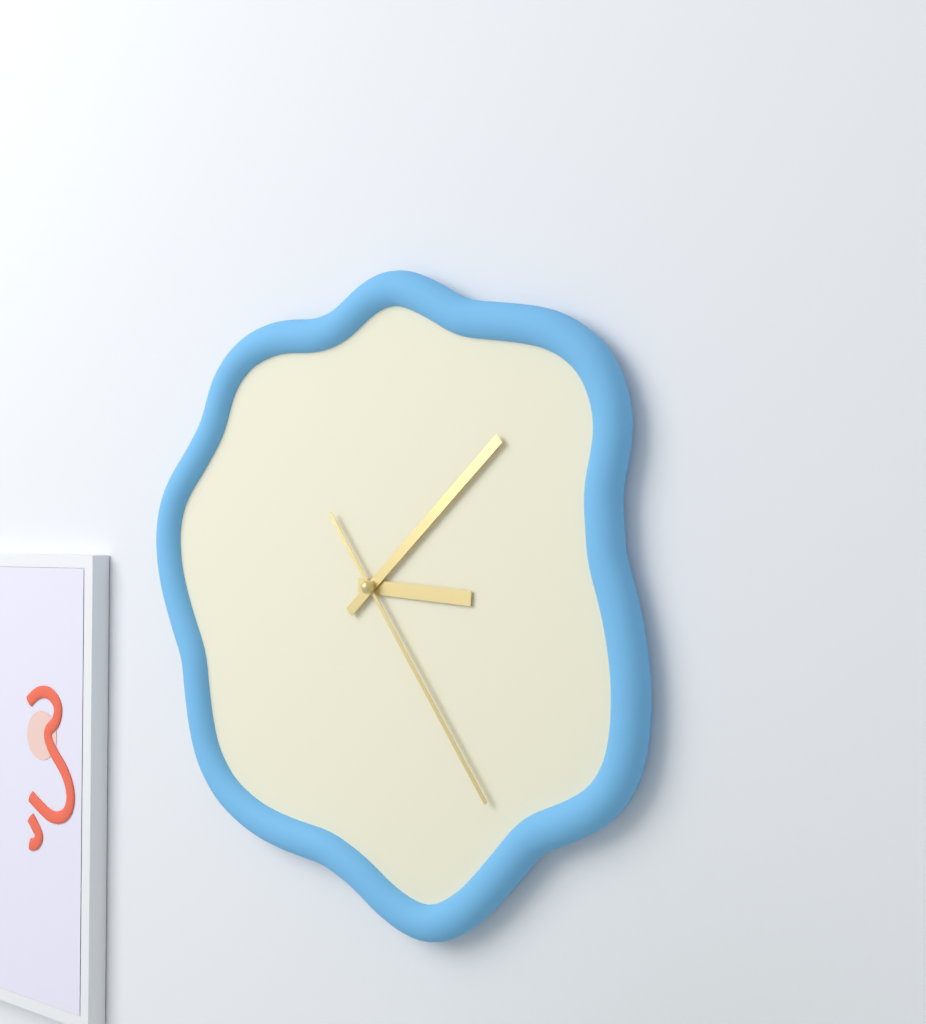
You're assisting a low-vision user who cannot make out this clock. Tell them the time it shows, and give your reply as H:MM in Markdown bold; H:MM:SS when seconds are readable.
**3:08:24**
